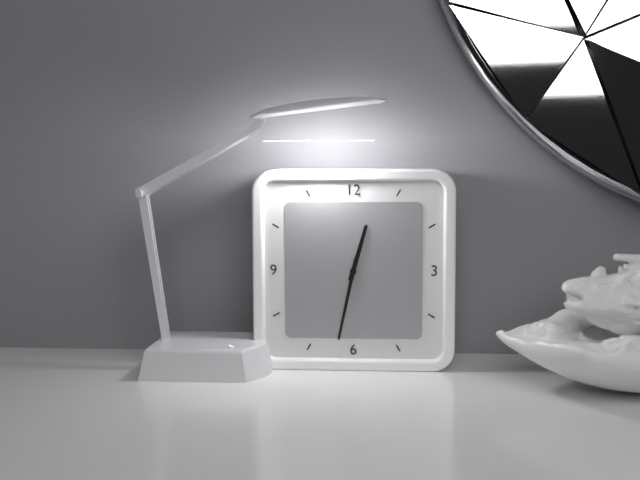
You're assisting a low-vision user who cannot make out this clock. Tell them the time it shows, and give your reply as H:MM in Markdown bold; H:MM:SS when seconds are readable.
**12:32**
